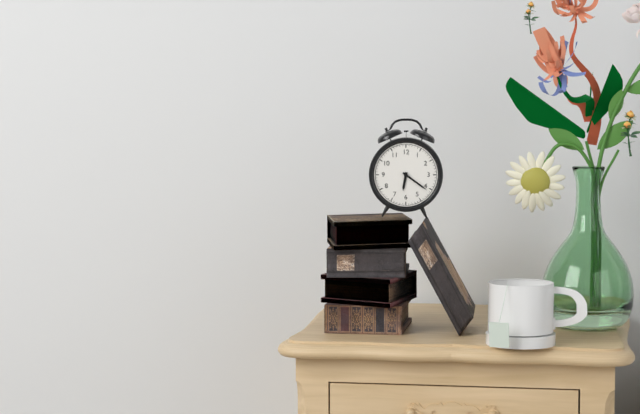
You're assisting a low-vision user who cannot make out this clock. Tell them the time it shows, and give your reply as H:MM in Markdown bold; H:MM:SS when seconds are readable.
**6:21**
